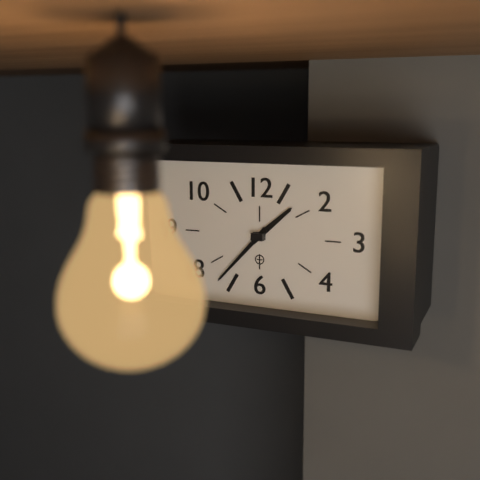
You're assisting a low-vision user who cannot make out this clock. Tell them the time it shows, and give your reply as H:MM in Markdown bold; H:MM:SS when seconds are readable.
**1:37**
